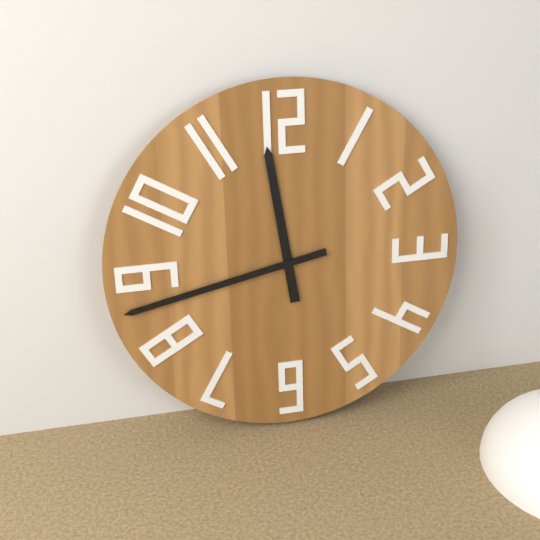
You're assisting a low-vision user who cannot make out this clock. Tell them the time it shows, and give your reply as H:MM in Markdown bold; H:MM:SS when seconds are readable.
**11:43**
